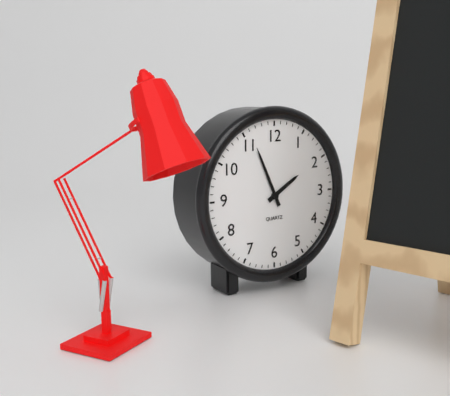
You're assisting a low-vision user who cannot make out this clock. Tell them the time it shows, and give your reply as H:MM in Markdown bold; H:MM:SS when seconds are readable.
**1:56**
